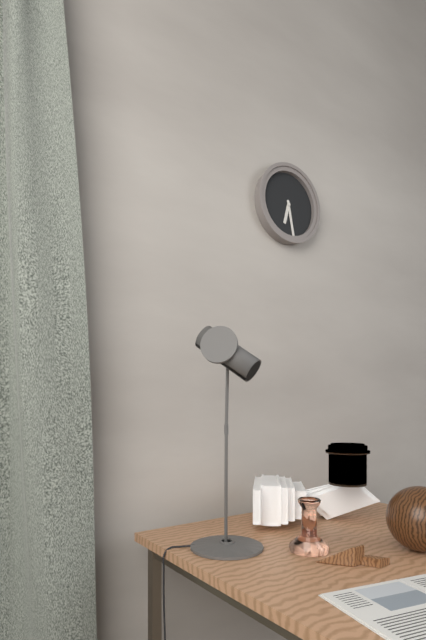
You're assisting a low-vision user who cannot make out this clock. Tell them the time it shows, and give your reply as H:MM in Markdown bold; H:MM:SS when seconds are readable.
**6:28**
